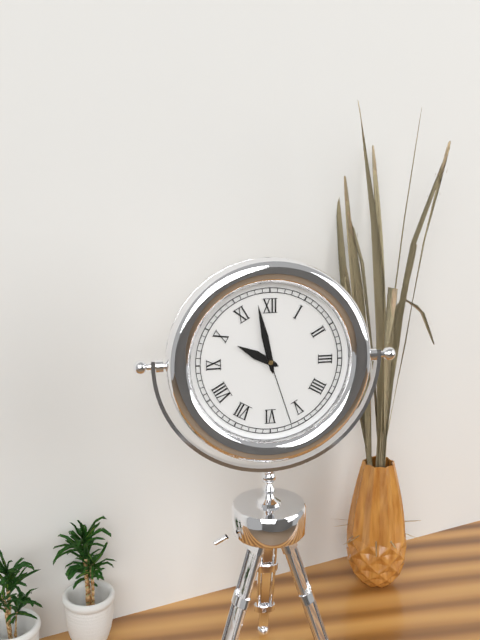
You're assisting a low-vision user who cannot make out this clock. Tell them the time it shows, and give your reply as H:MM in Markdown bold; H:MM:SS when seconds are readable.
**9:58:27**
